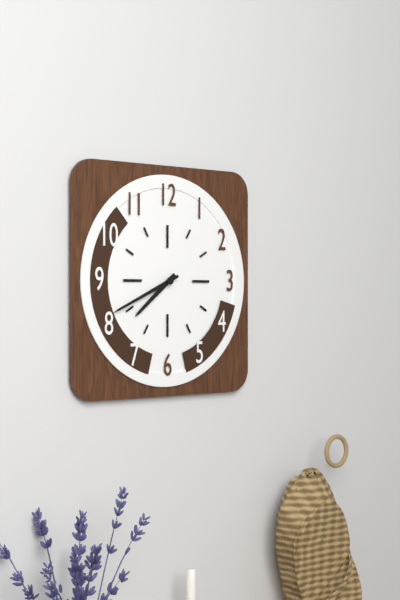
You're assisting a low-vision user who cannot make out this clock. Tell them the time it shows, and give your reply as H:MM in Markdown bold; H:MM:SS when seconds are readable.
**7:41**
